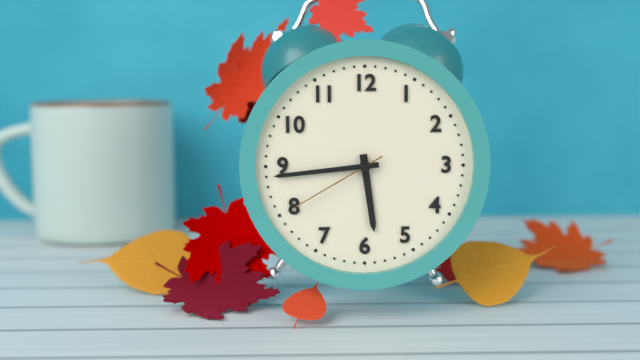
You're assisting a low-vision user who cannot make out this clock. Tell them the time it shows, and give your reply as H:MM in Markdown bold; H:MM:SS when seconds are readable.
**5:44:40**
